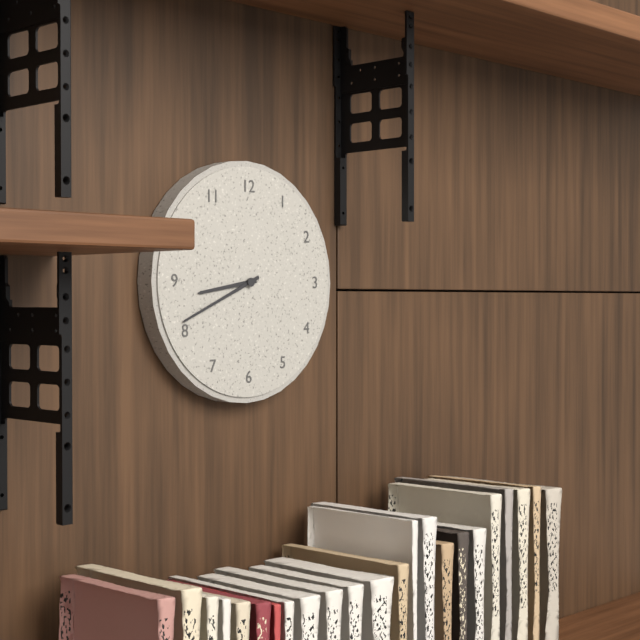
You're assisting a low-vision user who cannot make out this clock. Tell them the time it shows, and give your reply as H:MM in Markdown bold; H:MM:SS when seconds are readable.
**8:41**
